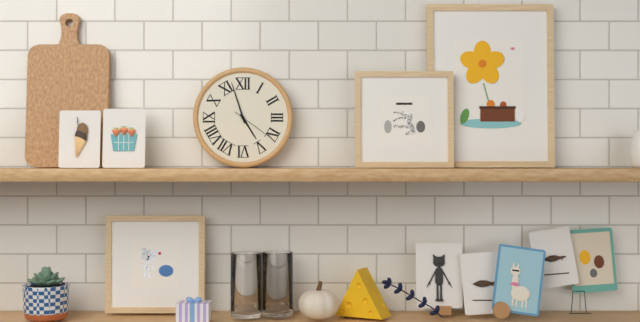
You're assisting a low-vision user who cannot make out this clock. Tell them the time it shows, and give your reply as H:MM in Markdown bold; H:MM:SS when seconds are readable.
**4:57**
